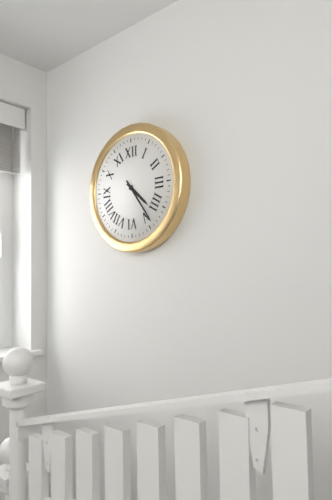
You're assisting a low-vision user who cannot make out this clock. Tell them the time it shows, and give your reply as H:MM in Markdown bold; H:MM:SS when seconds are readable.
**4:24**
